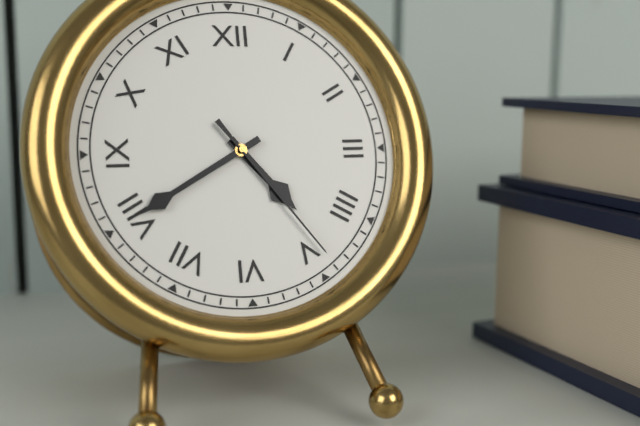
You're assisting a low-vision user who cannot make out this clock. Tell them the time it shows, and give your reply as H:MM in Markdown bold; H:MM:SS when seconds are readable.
**4:40:24**
